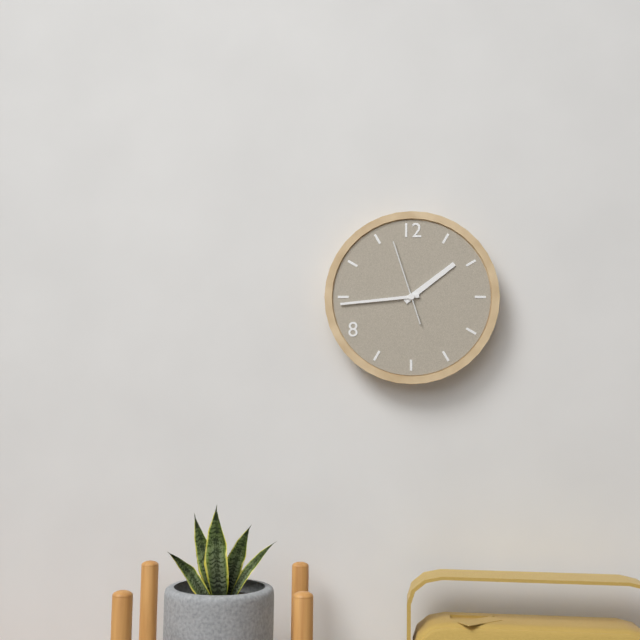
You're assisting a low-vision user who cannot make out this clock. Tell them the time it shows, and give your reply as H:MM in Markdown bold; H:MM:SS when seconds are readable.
**1:44:57**
